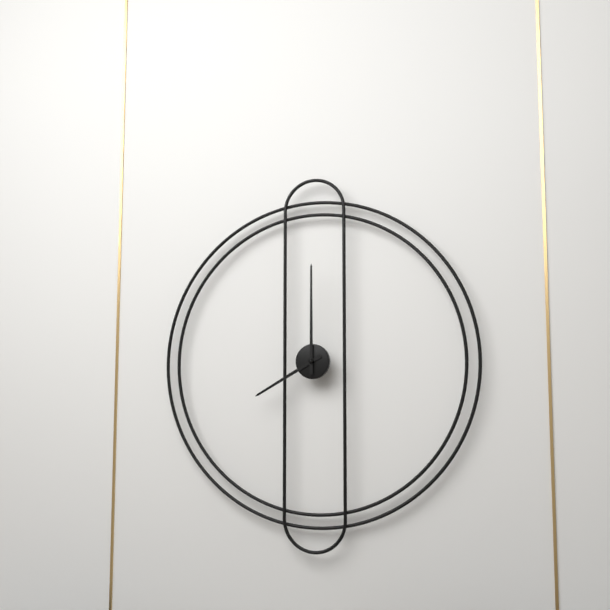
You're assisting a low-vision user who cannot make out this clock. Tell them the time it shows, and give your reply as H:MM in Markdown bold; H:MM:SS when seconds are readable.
**8:00**
